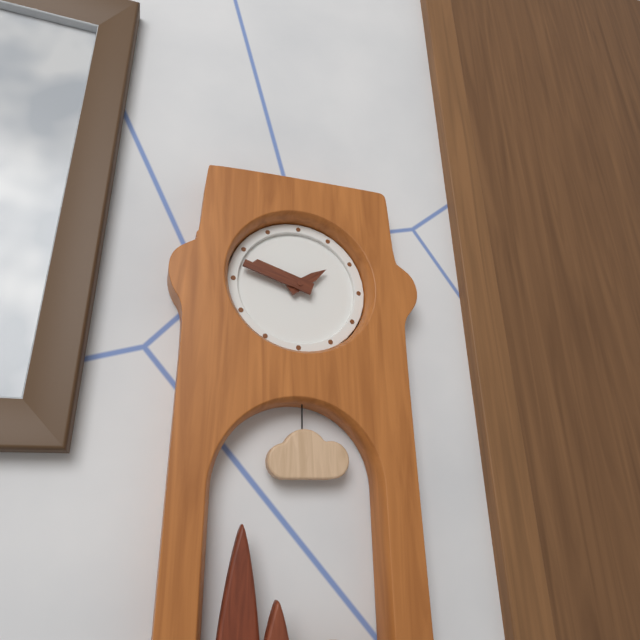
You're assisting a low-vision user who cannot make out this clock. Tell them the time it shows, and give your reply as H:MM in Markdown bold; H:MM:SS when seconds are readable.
**1:48**
